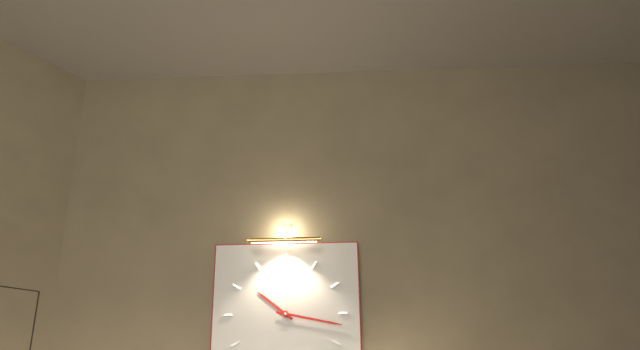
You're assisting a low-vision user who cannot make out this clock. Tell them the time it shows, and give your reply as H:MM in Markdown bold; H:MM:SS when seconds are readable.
**10:17**
